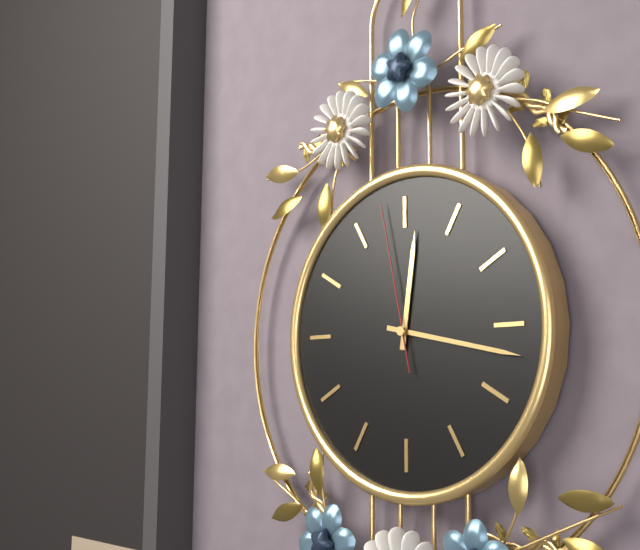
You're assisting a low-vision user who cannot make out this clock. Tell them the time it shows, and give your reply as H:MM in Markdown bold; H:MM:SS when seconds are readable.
**12:17:58**
